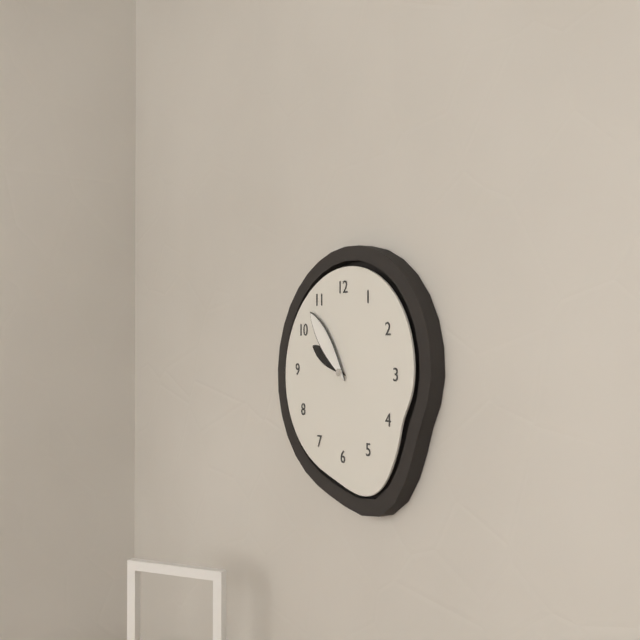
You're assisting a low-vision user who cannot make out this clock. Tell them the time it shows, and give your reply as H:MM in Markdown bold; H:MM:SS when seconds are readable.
**9:53**
